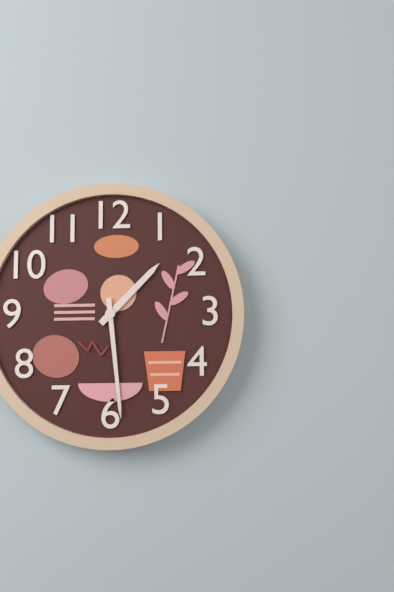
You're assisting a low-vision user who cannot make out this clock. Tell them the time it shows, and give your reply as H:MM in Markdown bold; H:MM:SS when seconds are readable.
**1:29**
